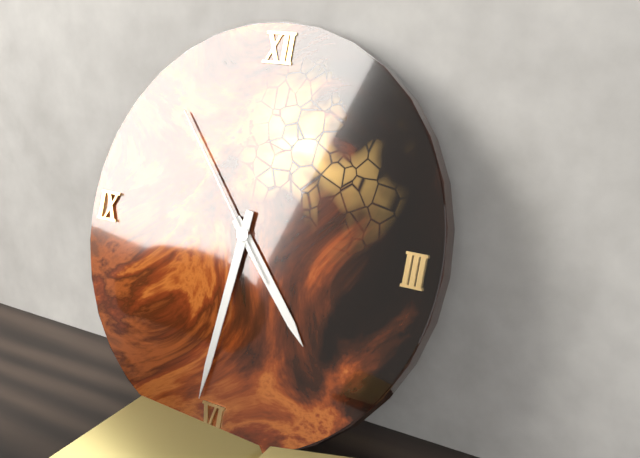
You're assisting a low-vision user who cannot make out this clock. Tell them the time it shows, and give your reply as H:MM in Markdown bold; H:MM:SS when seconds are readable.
**4:31:53**
